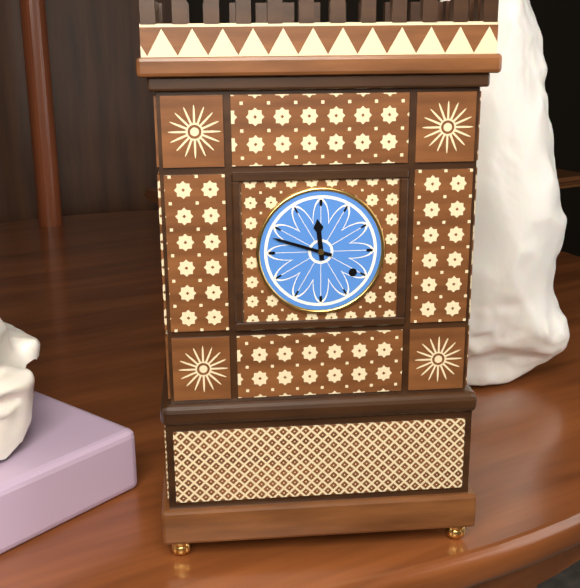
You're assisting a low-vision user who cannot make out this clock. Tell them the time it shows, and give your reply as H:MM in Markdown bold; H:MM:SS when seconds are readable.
**11:48**
